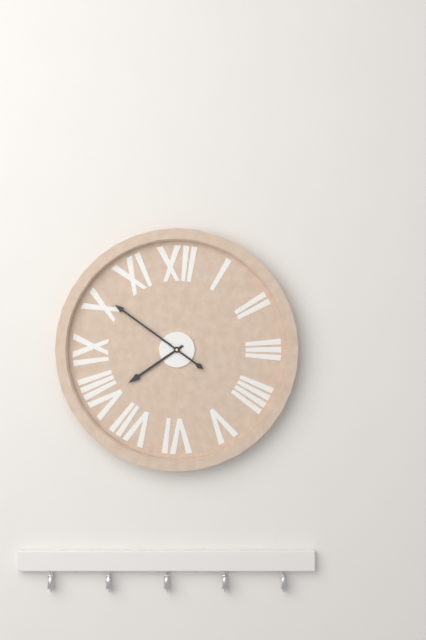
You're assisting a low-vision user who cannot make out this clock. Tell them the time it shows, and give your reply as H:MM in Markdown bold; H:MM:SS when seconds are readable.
**7:51**
